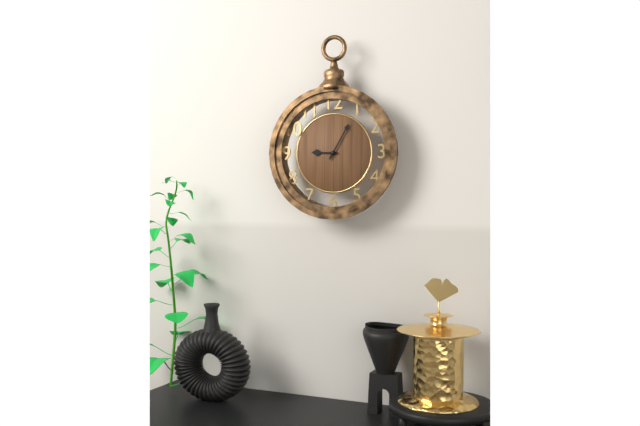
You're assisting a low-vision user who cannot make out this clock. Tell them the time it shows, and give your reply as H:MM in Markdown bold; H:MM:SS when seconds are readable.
**9:05**
